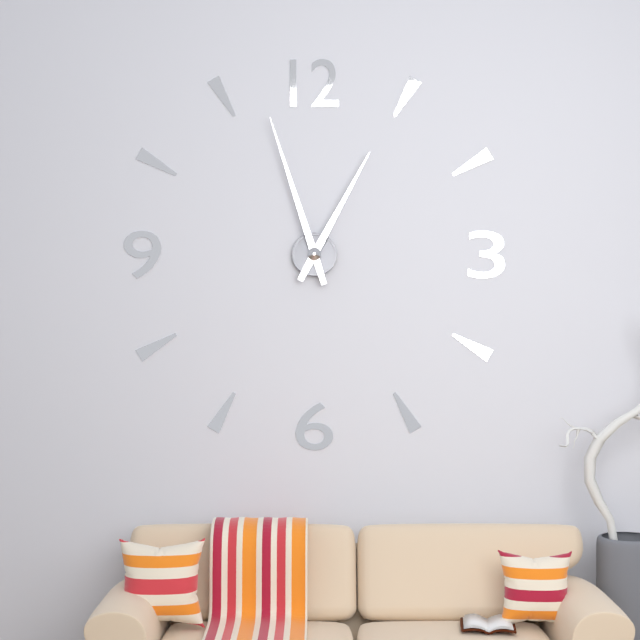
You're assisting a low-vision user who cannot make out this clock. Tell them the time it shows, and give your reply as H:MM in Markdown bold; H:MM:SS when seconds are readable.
**12:57**
